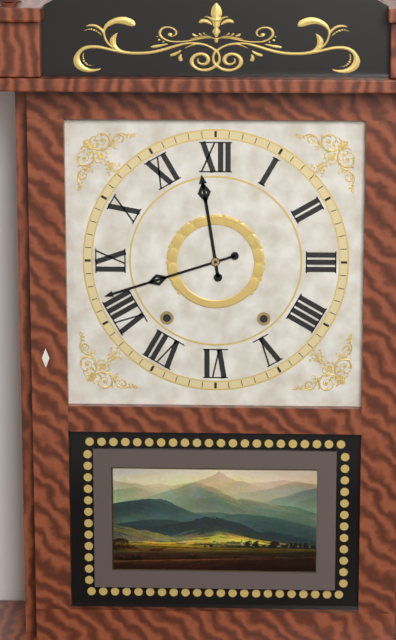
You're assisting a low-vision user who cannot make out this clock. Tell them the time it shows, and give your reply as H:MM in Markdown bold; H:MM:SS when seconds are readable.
**11:42**
